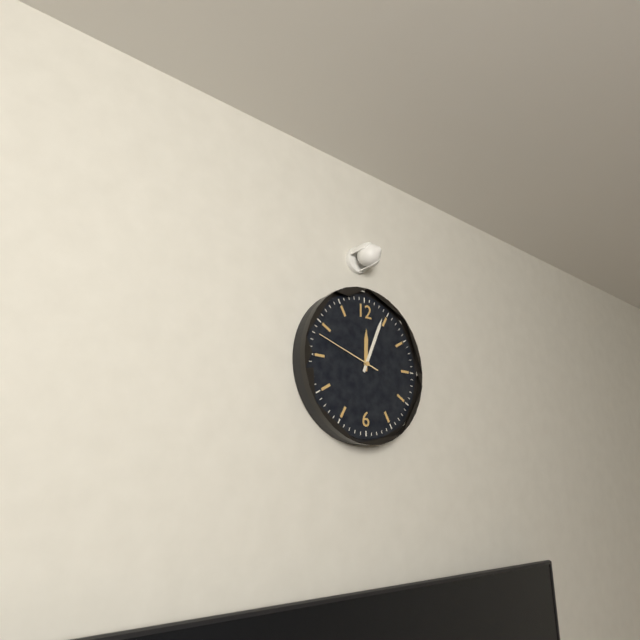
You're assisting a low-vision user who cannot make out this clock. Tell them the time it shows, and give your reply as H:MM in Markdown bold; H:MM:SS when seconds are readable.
**12:04:48**
